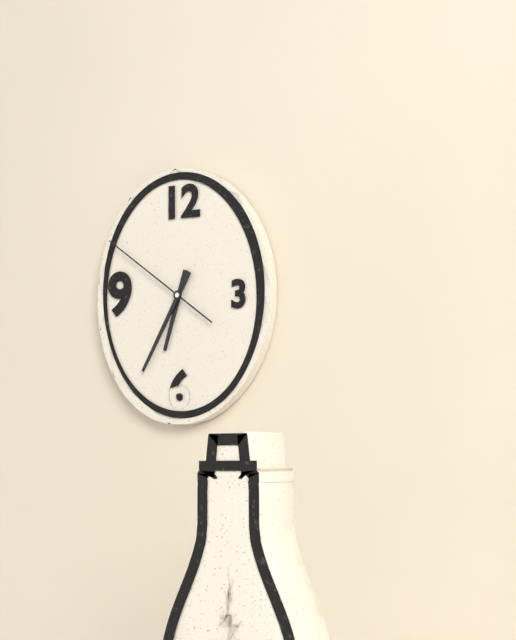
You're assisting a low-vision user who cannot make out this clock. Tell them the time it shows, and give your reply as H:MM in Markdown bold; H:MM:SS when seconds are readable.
**6:35:51**
